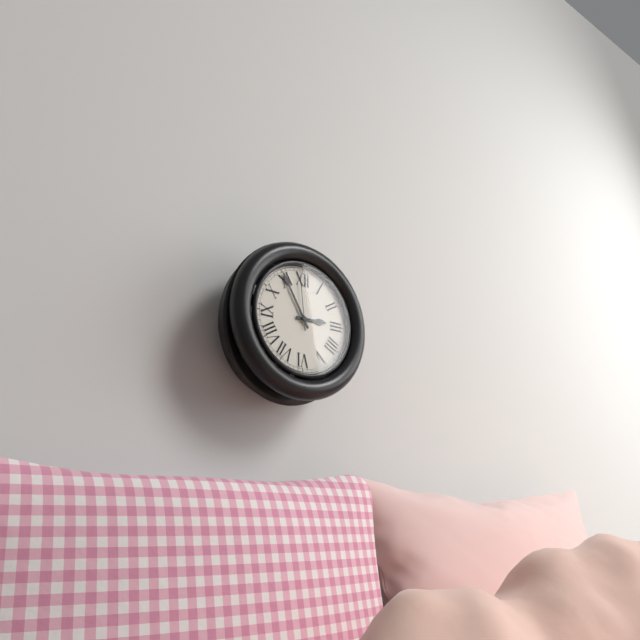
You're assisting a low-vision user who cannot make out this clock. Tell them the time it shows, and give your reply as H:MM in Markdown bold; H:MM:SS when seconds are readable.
**2:55:59**
